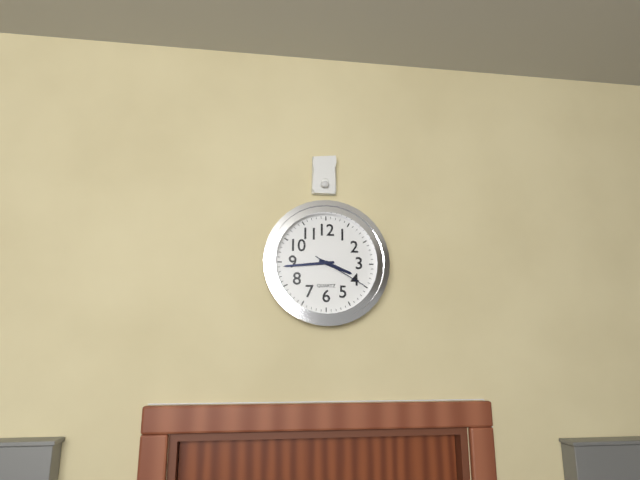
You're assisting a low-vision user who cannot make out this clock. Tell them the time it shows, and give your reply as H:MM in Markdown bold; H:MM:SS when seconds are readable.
**3:44:20**
